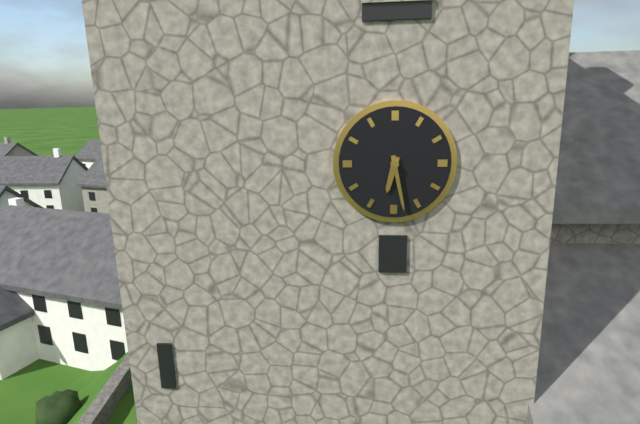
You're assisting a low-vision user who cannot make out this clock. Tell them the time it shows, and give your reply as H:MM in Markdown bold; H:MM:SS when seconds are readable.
**6:28**
